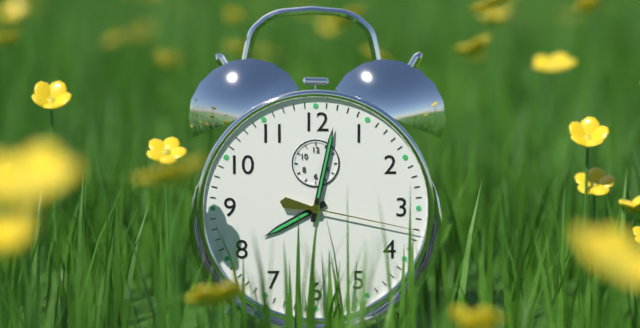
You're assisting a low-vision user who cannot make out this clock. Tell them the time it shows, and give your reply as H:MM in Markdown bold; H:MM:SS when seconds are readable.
**8:02:17**
